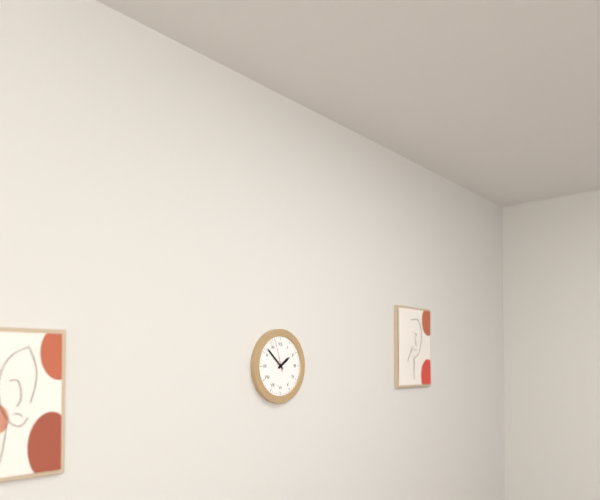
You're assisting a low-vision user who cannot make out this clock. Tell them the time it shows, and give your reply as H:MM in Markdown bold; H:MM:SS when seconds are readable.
**1:52**
